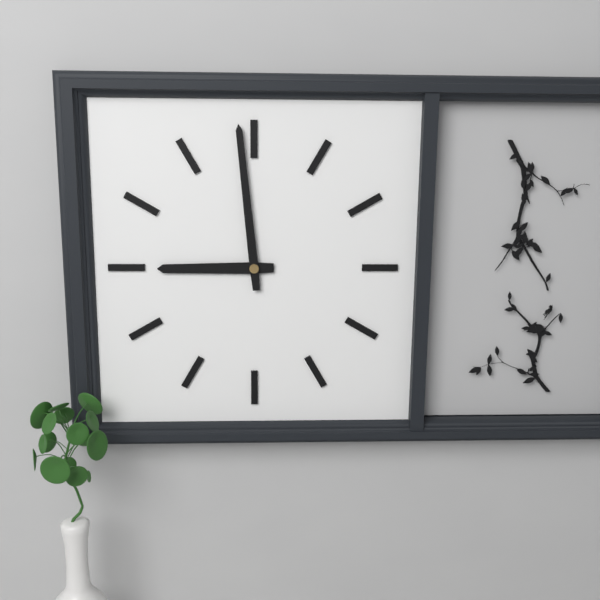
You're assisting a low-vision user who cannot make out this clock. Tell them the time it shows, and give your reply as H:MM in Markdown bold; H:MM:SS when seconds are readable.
**8:59**
